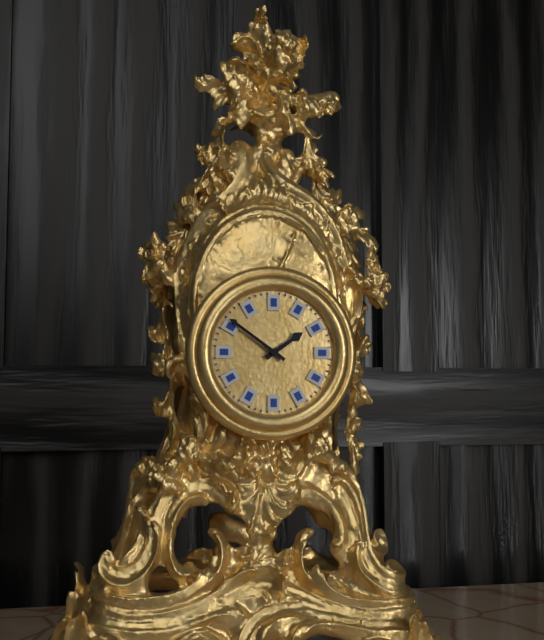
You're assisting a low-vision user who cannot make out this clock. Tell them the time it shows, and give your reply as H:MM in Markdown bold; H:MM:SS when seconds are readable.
**1:51**
